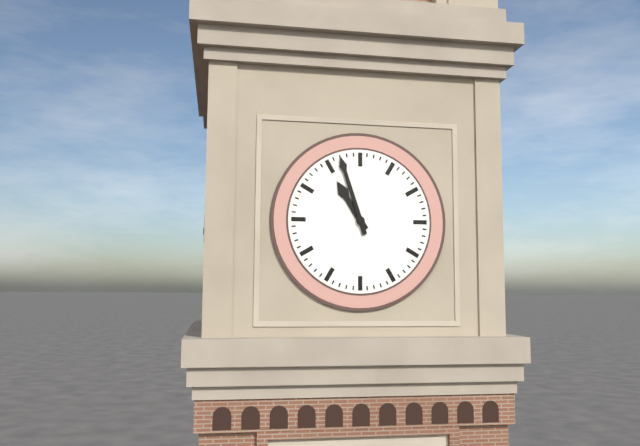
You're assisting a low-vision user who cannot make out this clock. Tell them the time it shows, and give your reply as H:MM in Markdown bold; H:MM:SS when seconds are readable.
**10:57**
